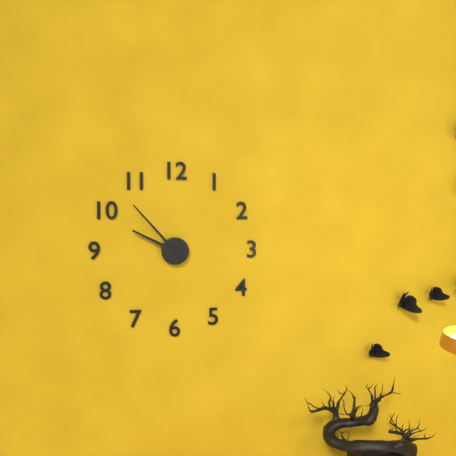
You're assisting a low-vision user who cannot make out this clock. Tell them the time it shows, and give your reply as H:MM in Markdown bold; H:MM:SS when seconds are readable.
**9:53**
